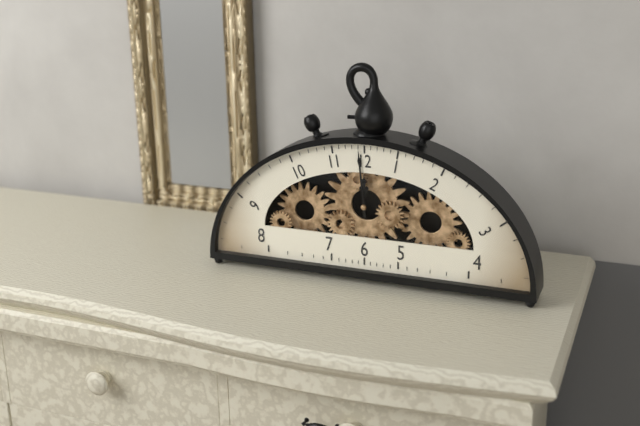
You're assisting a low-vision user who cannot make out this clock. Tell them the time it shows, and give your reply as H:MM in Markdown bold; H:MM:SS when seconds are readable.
**11:59**
